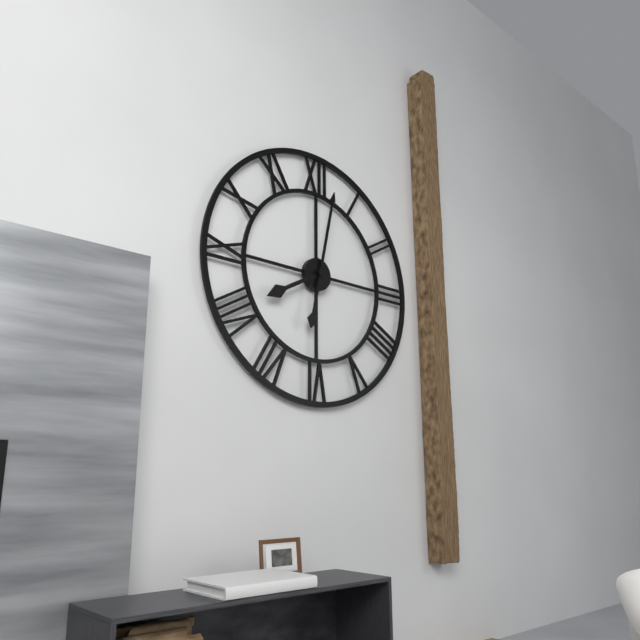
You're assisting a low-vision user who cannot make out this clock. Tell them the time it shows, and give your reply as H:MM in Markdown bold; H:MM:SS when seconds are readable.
**8:02**
